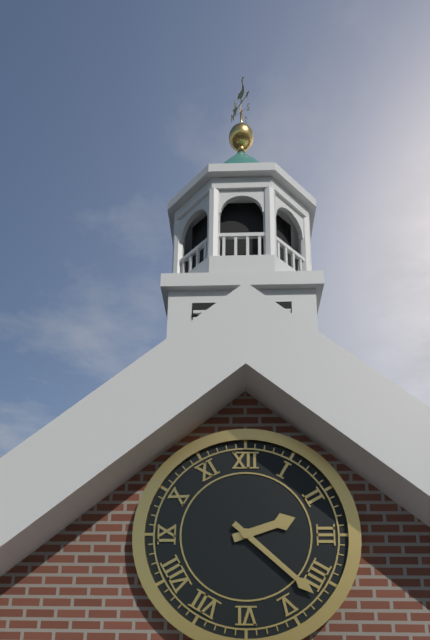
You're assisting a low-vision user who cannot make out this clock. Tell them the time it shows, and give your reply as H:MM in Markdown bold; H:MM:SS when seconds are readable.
**2:22**
